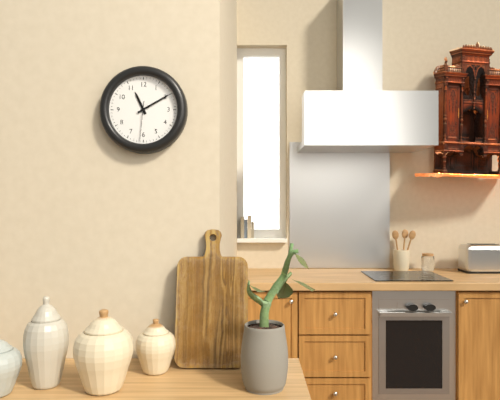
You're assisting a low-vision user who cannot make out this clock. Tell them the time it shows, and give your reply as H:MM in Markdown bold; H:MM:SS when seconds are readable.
**11:10**
